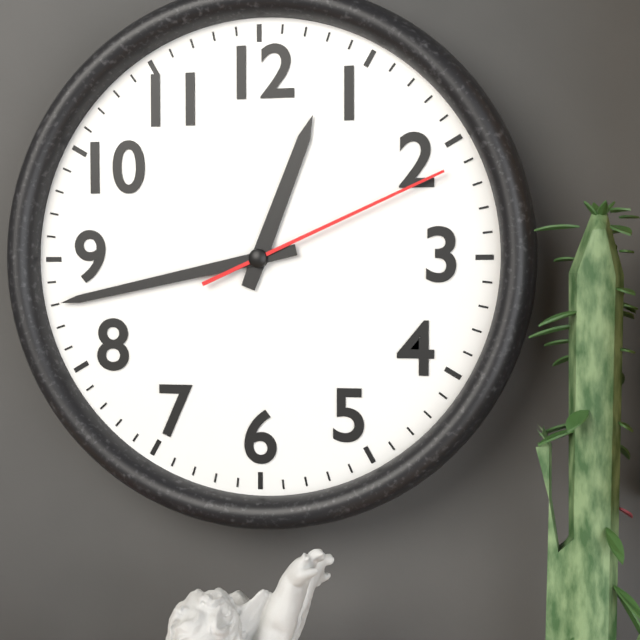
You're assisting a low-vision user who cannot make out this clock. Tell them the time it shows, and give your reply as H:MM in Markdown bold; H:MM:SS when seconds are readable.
**12:43:11**
